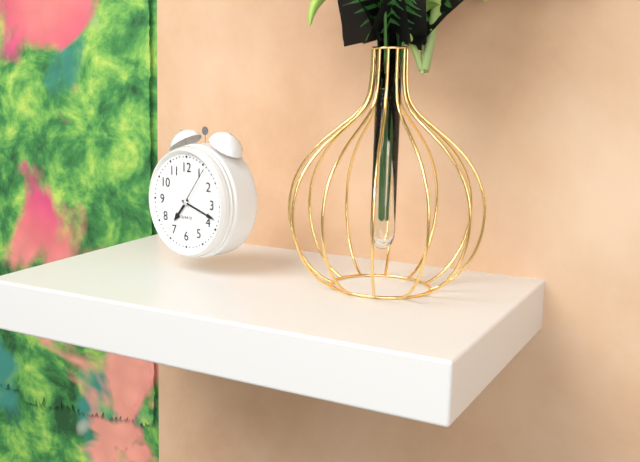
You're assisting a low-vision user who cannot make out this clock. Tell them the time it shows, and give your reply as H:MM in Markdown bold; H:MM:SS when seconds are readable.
**7:18**
